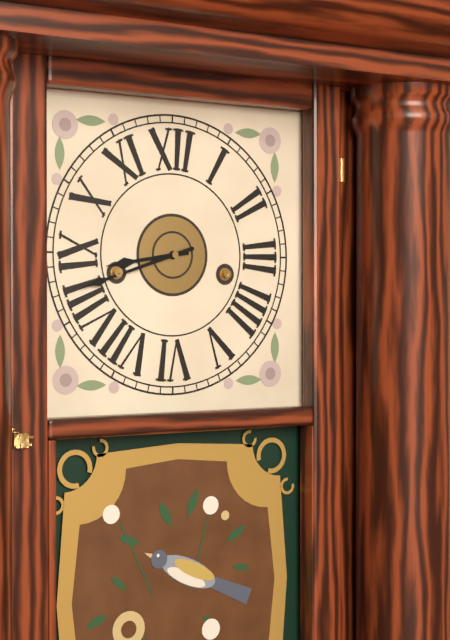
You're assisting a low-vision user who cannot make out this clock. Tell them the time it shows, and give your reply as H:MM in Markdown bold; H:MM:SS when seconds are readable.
**8:42**
